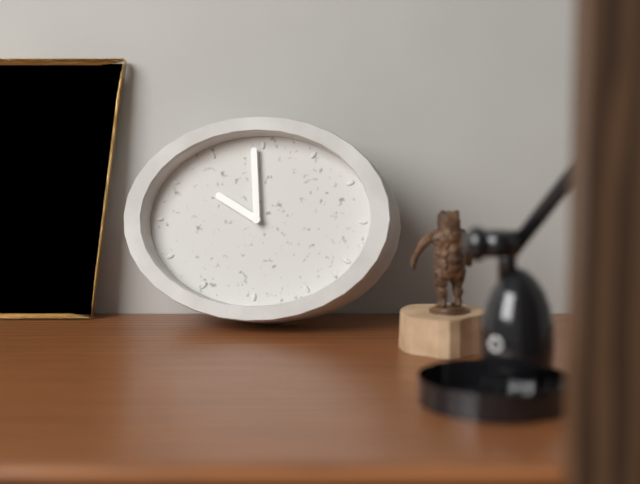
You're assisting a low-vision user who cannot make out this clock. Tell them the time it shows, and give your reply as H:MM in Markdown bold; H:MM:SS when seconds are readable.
**9:59**
